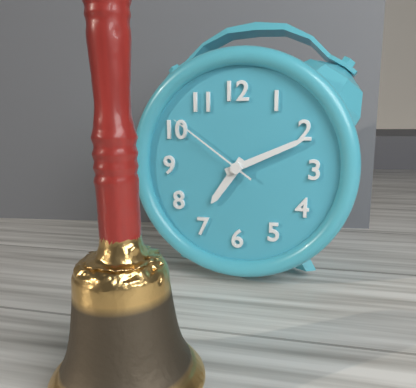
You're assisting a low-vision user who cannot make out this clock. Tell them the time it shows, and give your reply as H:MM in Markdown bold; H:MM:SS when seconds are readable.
**7:11:51**
